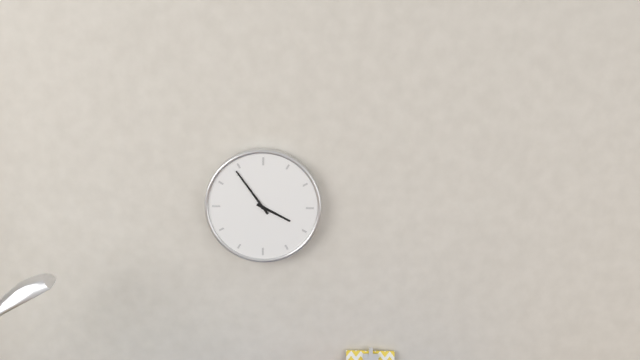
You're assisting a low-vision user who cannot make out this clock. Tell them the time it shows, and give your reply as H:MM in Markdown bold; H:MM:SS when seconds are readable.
**3:54**
